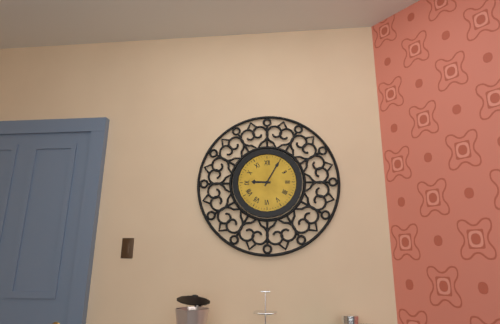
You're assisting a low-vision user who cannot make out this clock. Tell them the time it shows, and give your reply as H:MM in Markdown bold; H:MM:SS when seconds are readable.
**9:05**
